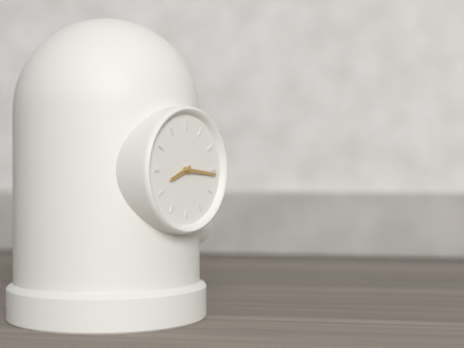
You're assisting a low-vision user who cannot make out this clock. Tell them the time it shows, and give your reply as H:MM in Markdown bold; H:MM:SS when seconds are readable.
**8:16**
